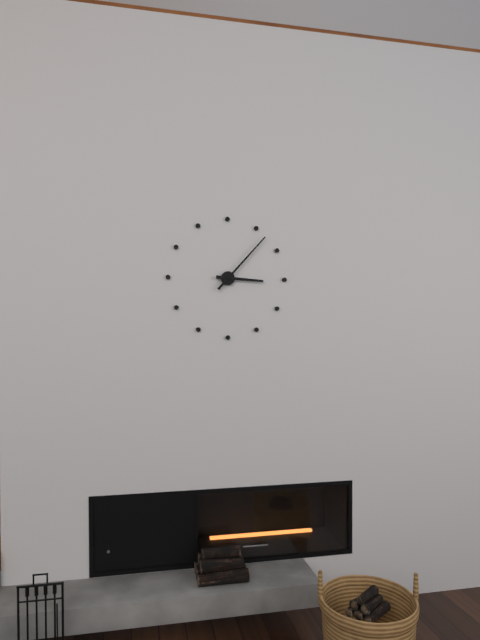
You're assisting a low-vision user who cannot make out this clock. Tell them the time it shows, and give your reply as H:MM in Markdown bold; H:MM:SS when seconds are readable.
**3:07**
